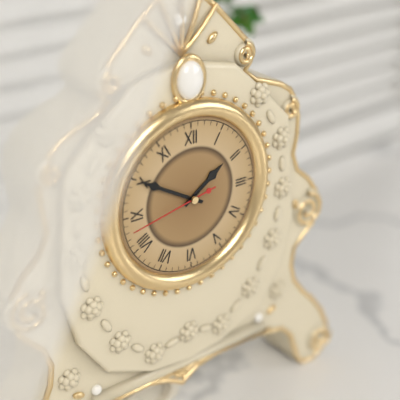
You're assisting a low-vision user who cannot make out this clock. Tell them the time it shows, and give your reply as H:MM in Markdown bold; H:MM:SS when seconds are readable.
**1:50:43**
